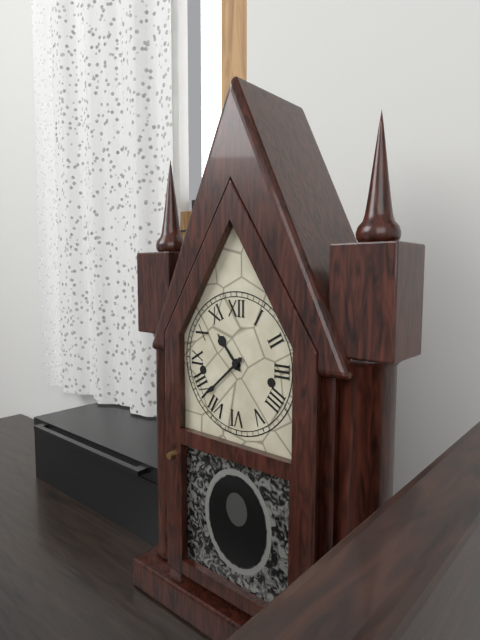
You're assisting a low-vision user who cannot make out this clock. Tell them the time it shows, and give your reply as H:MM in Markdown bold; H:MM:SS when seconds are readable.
**10:38**
